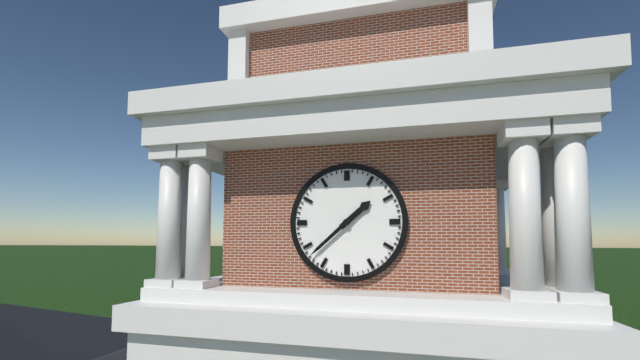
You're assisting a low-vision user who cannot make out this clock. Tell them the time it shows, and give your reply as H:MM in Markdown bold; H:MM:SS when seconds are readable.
**1:38**
